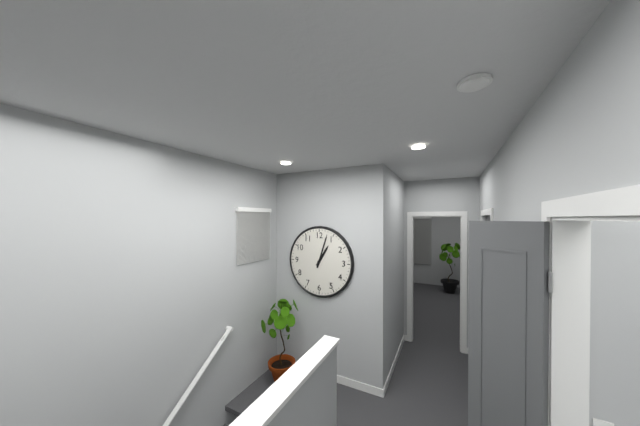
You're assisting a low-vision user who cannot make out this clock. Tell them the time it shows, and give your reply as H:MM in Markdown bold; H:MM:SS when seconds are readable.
**1:03**
